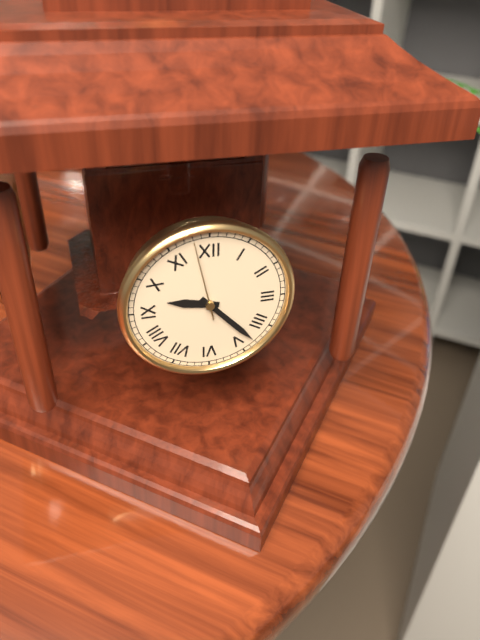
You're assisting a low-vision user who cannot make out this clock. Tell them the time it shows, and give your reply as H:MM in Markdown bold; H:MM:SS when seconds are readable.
**9:23:58**
